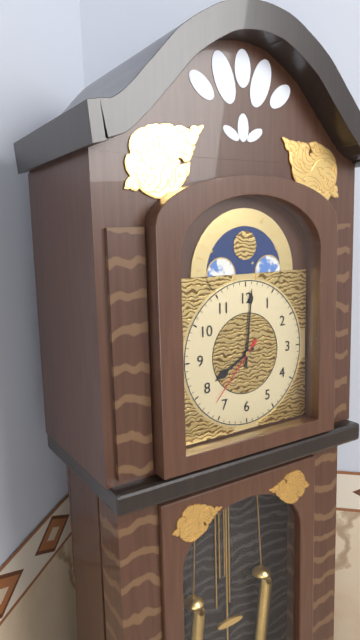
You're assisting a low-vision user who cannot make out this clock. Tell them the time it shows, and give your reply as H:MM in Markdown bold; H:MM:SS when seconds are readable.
**8:01:37**
